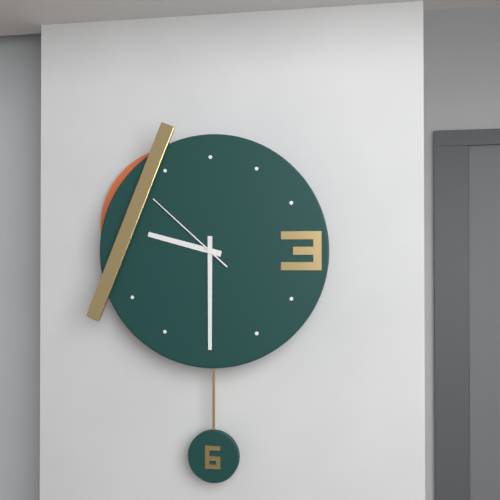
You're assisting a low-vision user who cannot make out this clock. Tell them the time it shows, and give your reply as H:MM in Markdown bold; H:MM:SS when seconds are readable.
**9:30:52**
